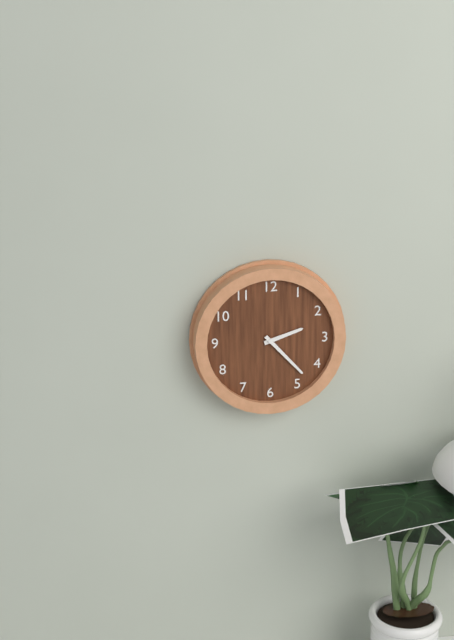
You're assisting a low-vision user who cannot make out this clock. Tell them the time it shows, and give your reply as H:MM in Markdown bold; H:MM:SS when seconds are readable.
**2:23**
